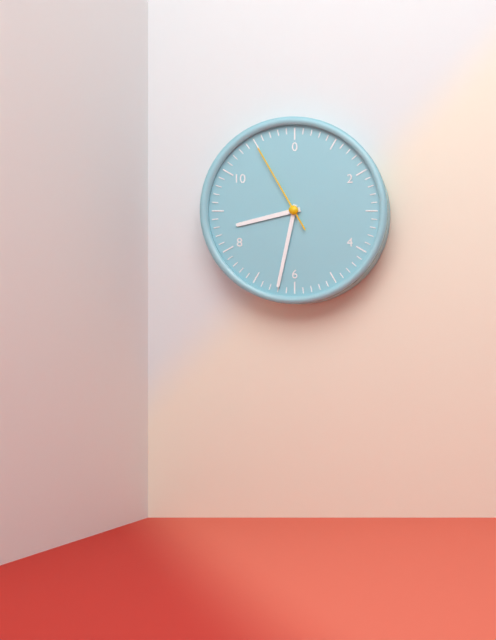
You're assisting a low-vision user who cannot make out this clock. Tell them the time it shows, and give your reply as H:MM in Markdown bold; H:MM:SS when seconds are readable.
**8:32:55**
